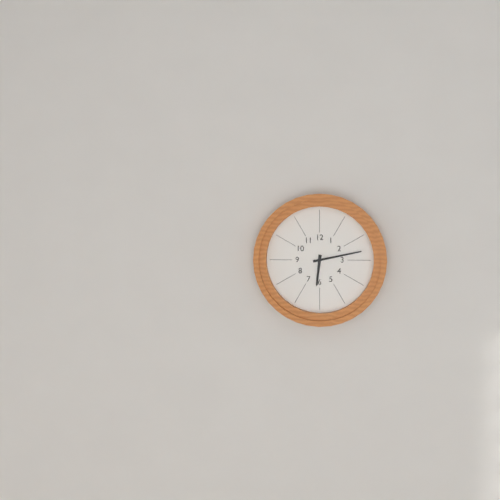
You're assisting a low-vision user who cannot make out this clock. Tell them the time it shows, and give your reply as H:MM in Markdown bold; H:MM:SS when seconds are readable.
**6:13**
